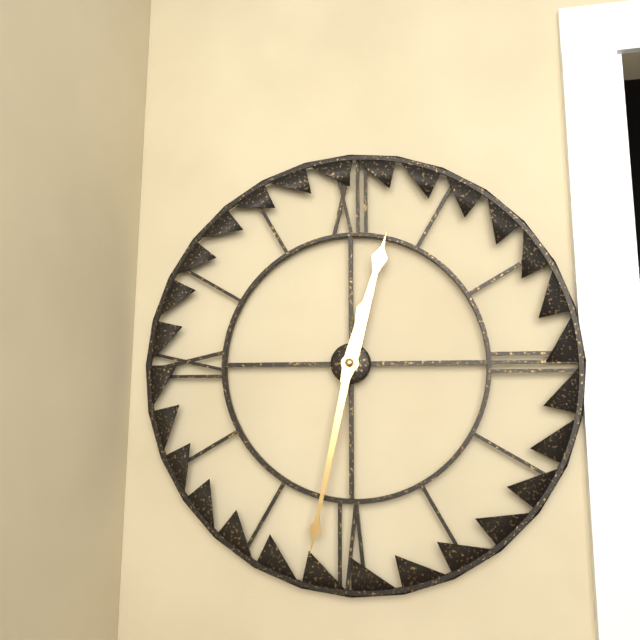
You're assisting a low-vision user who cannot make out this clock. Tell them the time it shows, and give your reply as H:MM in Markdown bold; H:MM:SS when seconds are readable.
**12:32**
